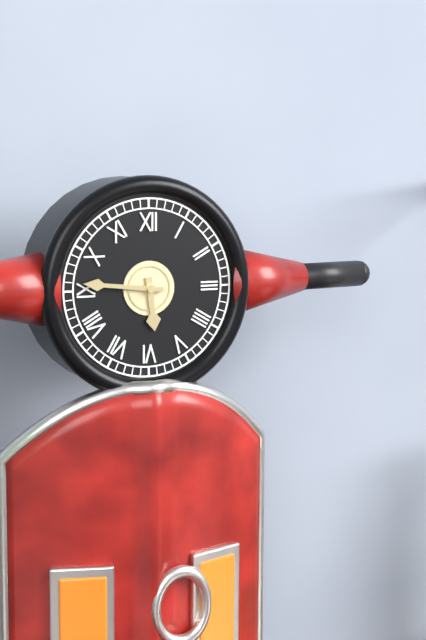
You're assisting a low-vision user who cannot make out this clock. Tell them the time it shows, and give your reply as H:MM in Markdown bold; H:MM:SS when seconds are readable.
**5:46**
